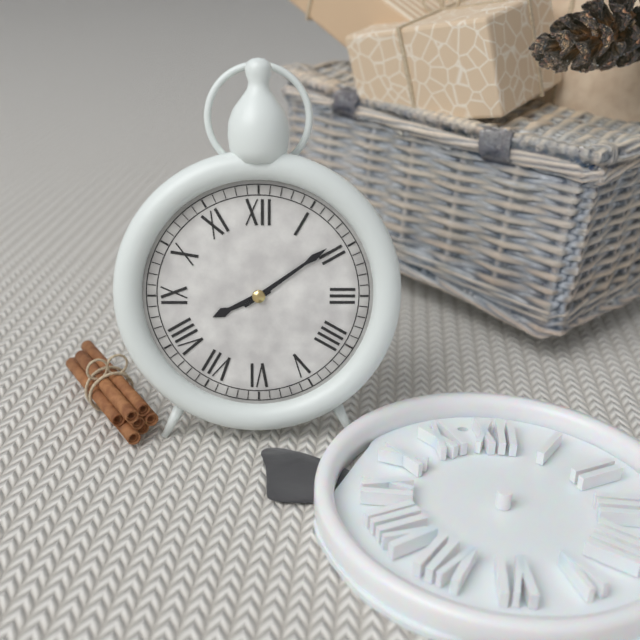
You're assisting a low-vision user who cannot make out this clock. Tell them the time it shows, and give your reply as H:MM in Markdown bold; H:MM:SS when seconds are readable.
**8:09**
